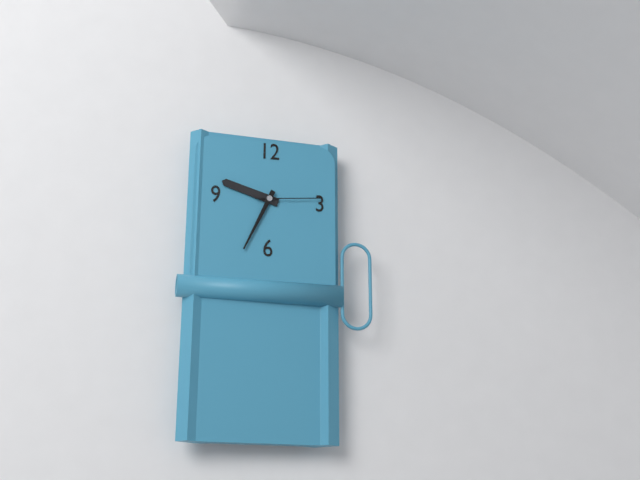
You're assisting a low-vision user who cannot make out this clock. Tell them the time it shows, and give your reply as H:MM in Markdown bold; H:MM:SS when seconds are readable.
**9:34:14**
